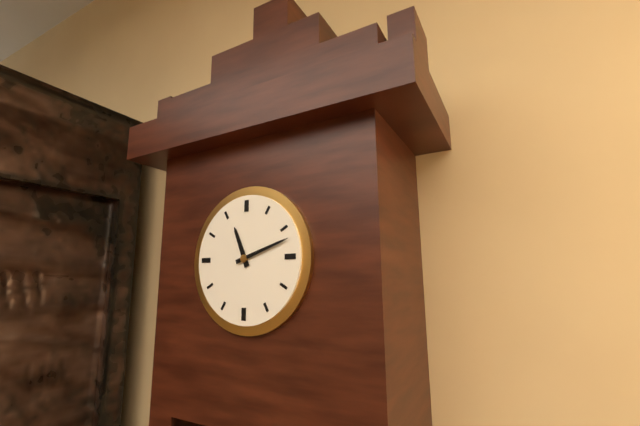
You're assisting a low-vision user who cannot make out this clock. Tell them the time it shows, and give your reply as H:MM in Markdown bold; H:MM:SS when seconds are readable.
**11:12**
